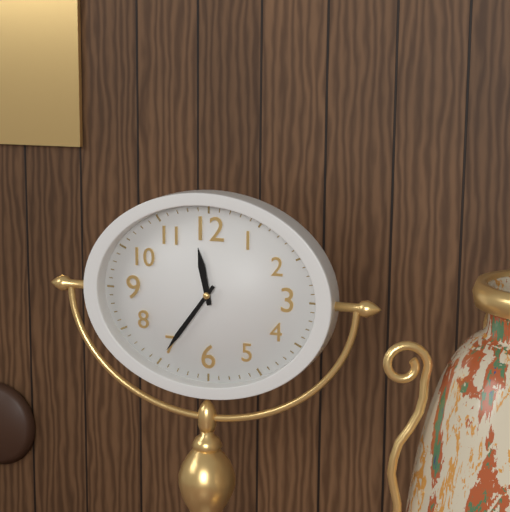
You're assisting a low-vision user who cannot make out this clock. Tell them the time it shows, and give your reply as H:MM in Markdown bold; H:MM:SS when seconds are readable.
**11:36**
